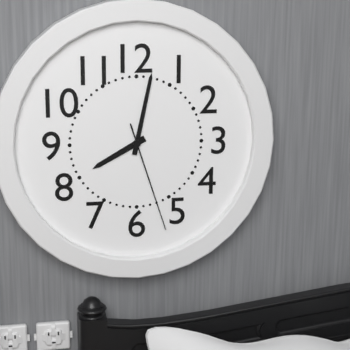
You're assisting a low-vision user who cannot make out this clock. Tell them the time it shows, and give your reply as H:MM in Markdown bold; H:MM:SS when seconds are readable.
**8:02:27**
